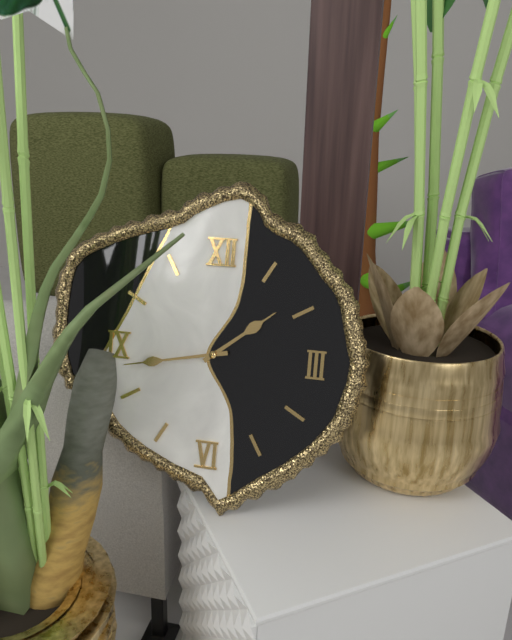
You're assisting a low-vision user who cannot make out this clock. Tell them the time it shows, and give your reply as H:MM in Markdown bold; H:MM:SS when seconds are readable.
**1:43**
